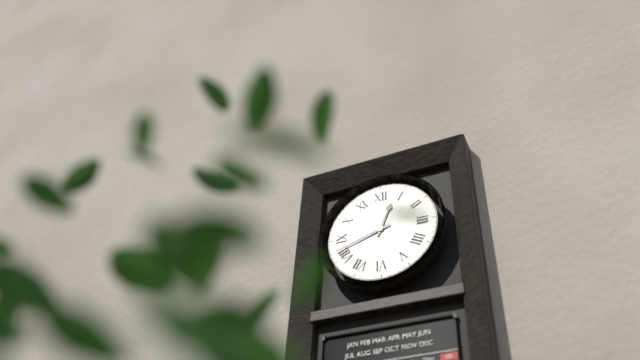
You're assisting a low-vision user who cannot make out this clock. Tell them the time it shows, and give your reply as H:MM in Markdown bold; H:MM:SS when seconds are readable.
**12:42**
